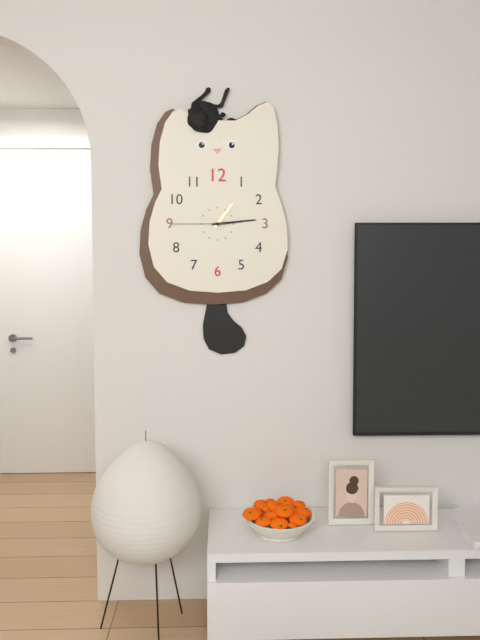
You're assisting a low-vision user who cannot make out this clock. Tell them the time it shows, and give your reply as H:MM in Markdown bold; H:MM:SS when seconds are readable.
**1:14:45**
